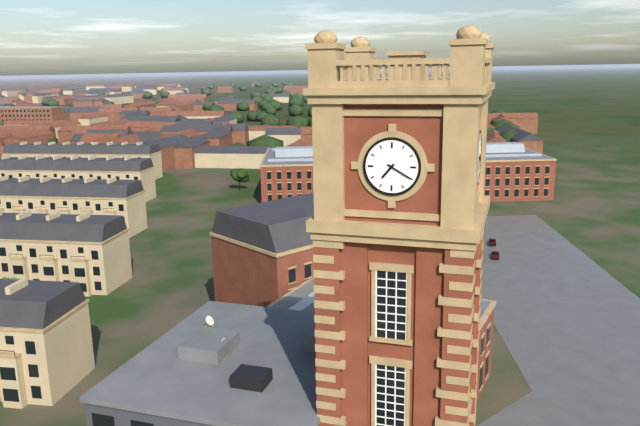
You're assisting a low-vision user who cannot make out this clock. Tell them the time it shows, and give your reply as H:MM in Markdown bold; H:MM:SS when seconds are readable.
**7:20**
